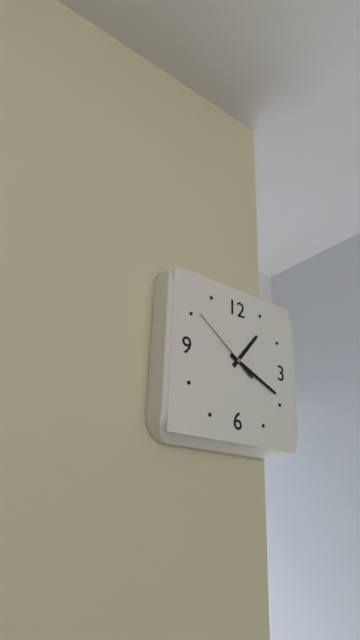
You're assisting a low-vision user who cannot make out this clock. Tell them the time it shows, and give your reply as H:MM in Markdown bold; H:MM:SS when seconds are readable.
**1:19:51**
